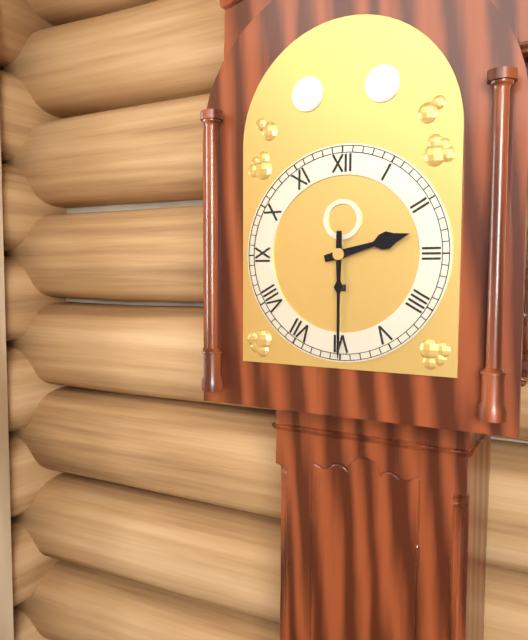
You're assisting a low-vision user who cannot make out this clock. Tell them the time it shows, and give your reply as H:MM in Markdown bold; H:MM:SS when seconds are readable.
**2:30**
